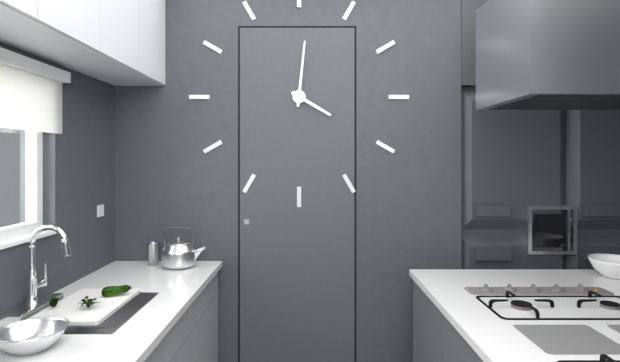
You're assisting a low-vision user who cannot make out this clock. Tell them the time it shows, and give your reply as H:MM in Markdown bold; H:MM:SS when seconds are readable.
**4:01**
